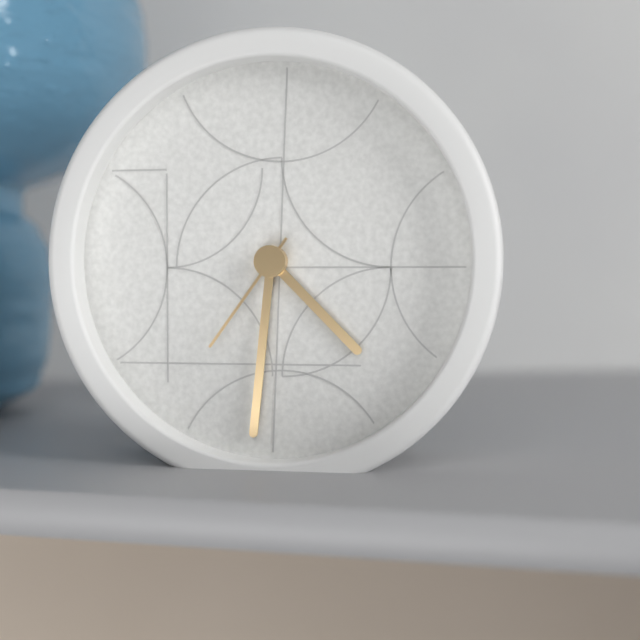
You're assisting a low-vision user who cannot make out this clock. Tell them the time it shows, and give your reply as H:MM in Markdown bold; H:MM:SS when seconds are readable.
**4:31:36**
